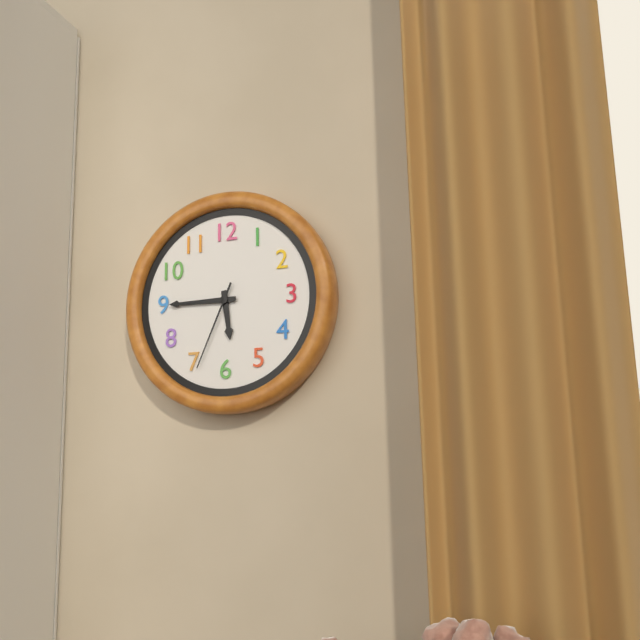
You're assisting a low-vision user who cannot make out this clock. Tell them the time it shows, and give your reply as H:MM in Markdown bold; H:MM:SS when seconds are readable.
**5:45:34**
